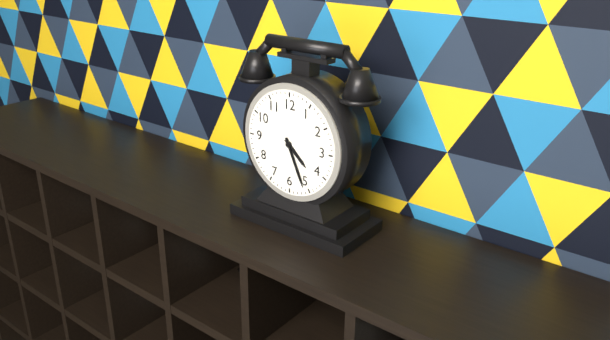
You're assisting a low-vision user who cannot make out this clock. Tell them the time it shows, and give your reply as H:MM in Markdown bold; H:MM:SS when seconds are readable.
**4:26**
